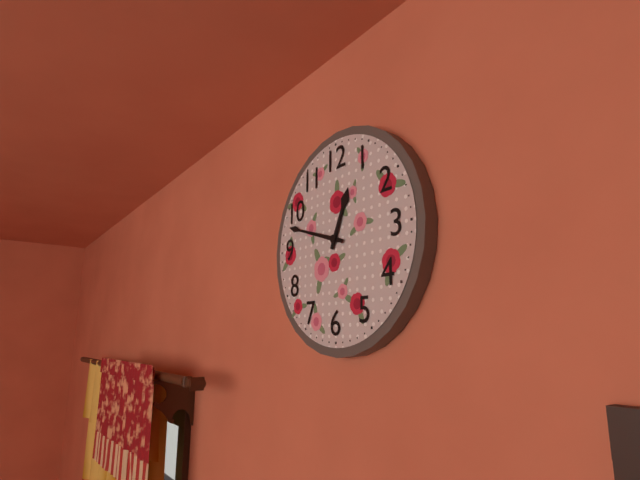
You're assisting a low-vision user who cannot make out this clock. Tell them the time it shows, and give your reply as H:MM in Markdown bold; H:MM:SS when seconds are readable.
**12:48**
